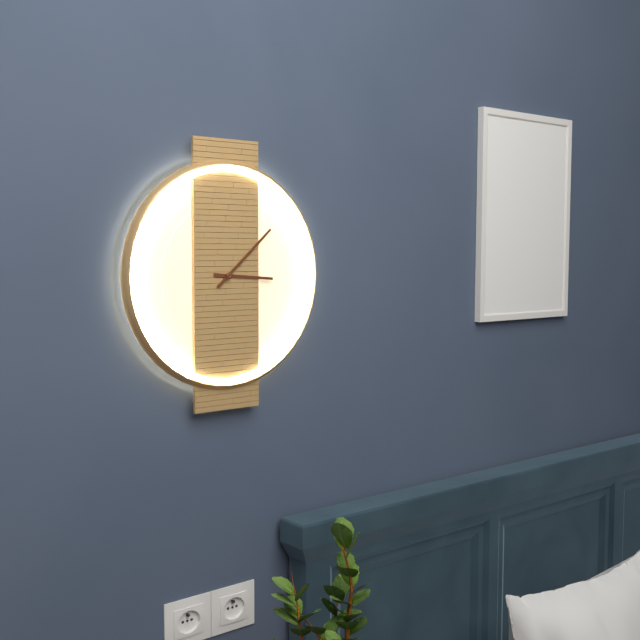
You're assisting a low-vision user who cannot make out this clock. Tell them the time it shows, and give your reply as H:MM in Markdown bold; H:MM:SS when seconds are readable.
**3:08**
